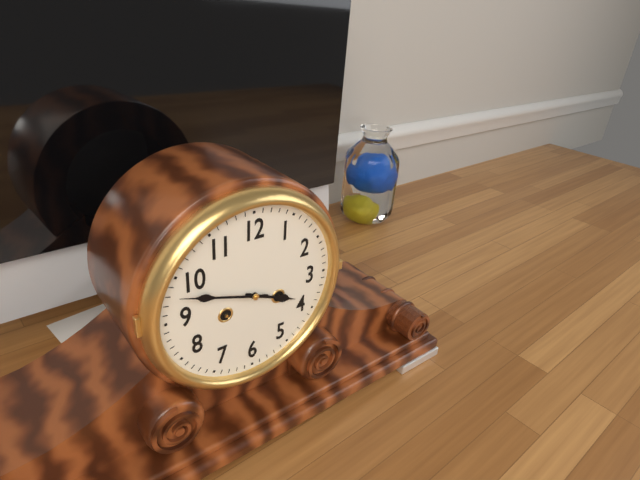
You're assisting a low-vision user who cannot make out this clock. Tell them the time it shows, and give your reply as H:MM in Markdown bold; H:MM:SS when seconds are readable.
**3:48**
